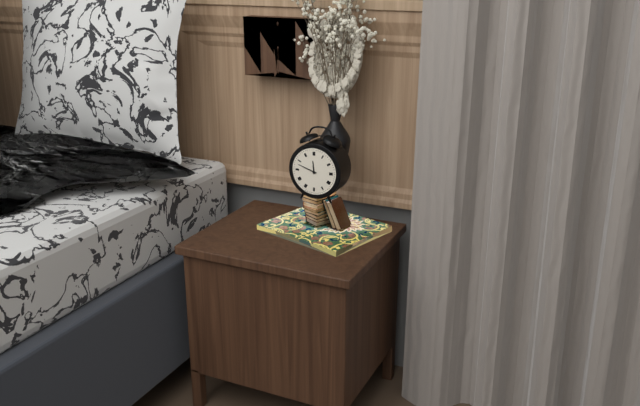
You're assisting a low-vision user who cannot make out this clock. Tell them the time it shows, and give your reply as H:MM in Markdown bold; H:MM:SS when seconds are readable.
**11:48**
